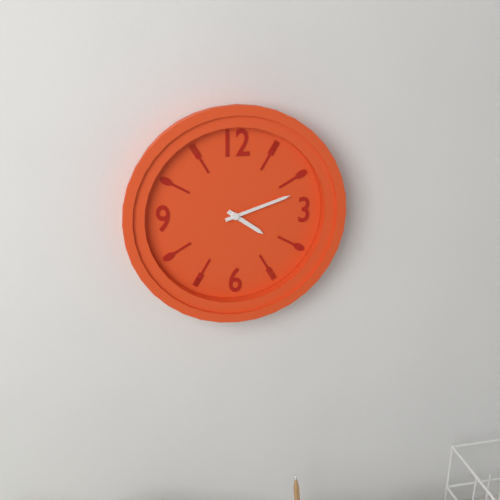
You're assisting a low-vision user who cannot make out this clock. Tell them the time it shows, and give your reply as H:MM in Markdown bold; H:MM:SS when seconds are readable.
**4:12**
